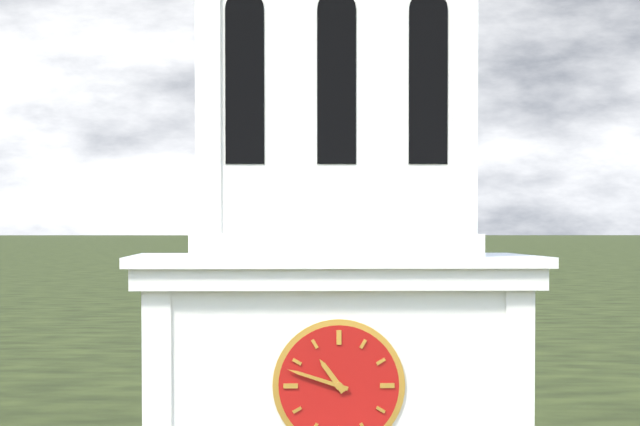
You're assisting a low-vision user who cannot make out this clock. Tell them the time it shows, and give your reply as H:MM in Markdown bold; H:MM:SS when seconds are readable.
**10:48**
